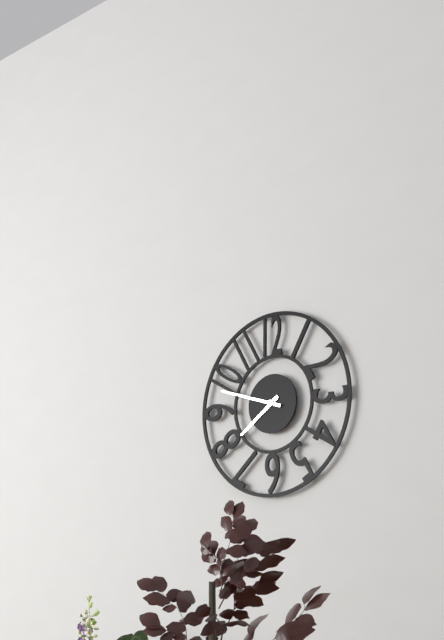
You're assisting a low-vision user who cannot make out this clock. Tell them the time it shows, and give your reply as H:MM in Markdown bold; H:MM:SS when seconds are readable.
**7:48**
